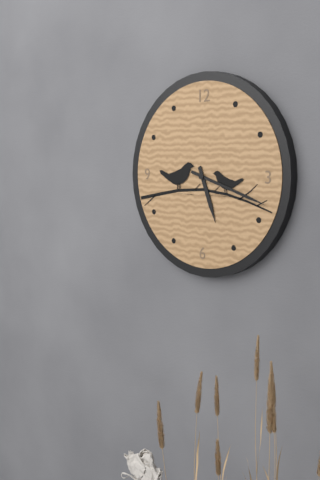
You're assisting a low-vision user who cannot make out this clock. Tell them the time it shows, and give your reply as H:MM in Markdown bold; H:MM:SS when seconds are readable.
**5:18**
